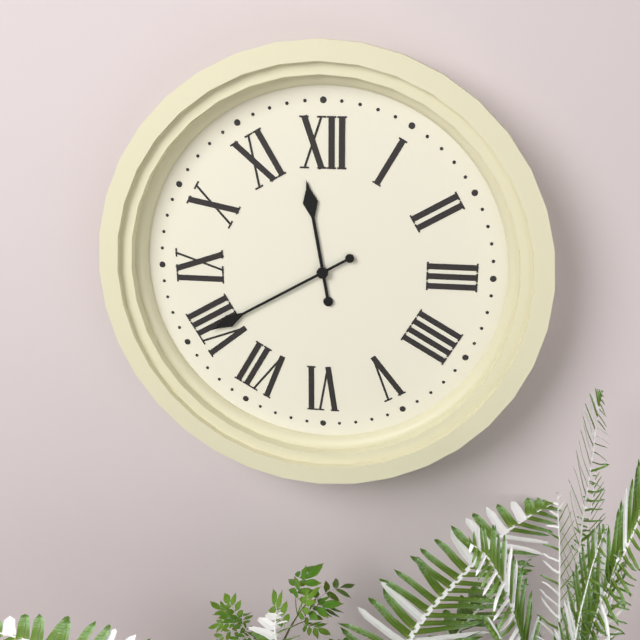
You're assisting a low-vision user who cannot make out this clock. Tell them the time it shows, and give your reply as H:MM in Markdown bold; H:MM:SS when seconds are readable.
**11:40**
